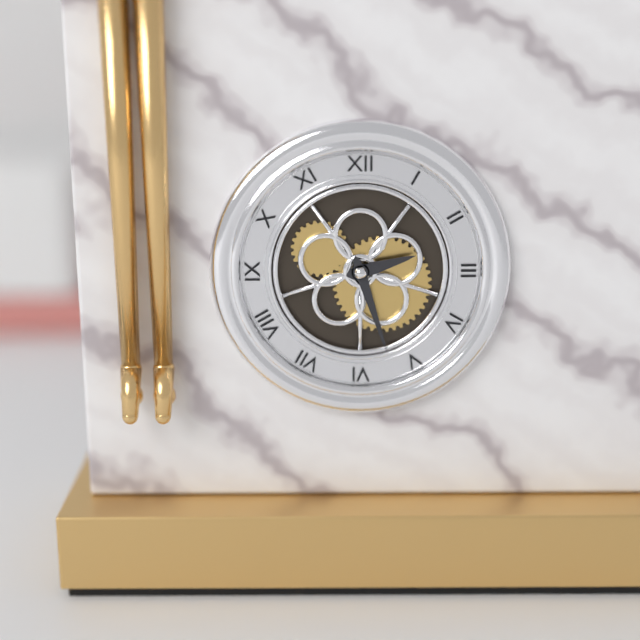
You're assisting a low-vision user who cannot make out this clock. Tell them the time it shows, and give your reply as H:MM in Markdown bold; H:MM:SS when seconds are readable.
**2:27**
